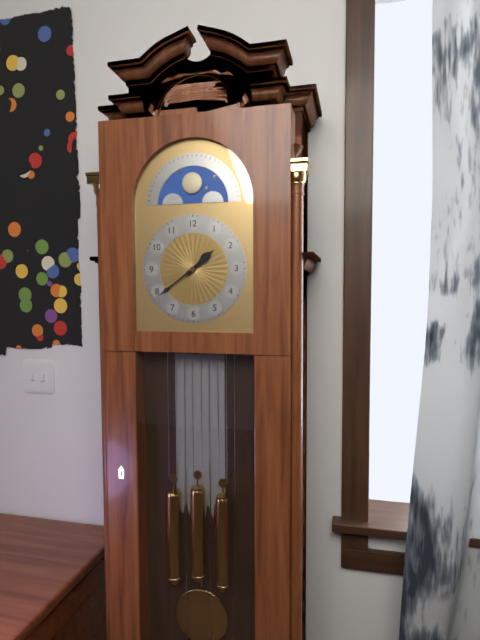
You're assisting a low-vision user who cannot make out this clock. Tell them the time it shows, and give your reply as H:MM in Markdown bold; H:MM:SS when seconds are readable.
**1:39**
